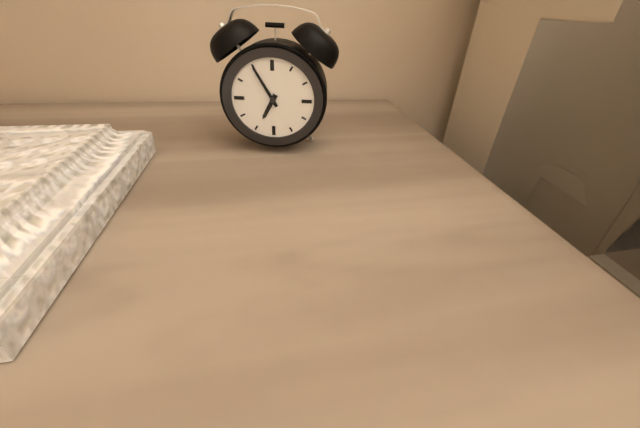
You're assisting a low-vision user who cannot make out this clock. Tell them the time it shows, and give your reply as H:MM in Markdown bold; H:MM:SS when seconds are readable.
**6:55**
